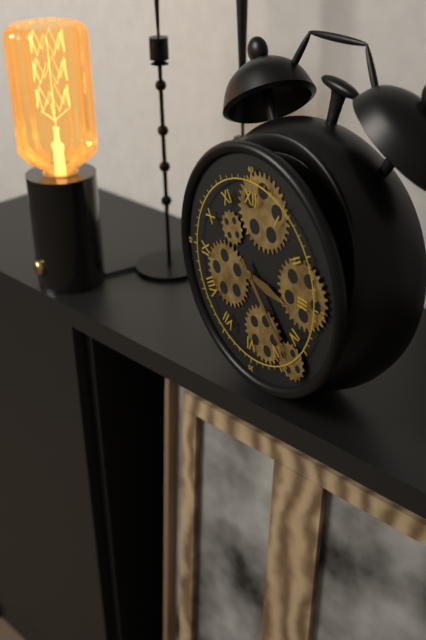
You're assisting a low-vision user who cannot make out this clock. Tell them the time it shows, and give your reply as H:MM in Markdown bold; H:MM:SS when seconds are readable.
**3:23**
